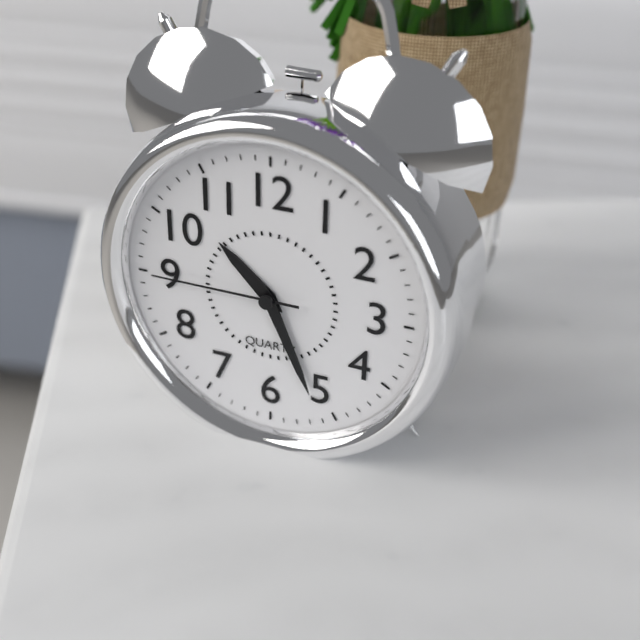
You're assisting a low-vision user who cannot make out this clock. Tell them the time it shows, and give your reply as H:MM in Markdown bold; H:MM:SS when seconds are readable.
**10:26:45**
